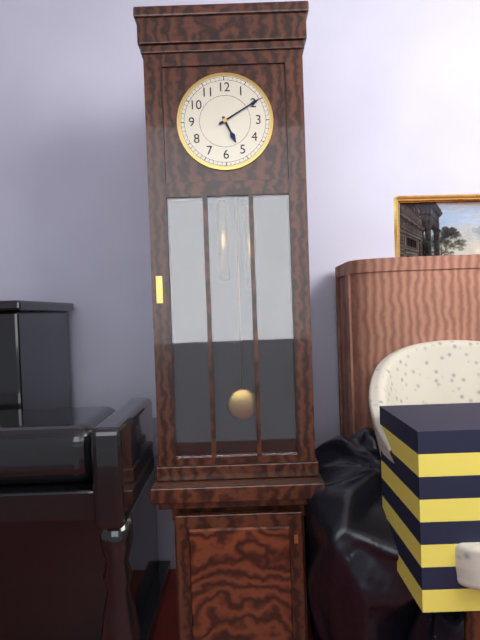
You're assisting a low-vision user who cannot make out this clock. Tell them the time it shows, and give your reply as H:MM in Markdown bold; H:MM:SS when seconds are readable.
**5:10**
